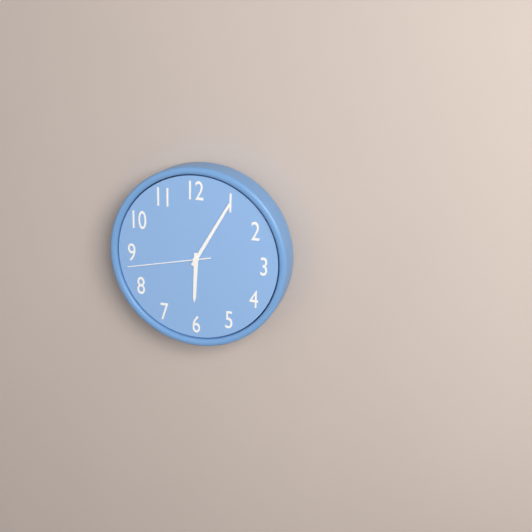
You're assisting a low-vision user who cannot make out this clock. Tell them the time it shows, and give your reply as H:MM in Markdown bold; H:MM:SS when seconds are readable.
**6:05:43**
